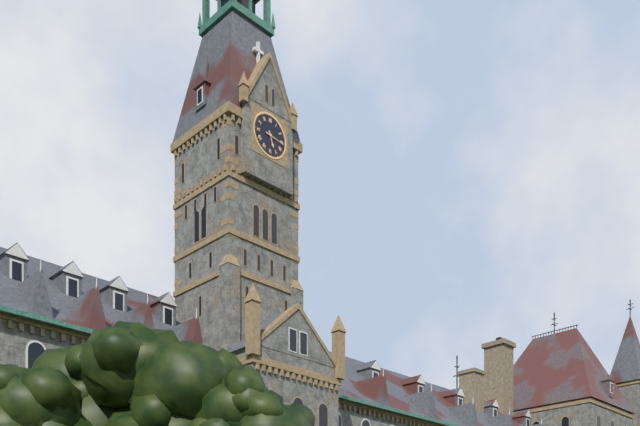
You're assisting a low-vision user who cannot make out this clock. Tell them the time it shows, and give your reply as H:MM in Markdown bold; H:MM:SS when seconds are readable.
**5:16**
